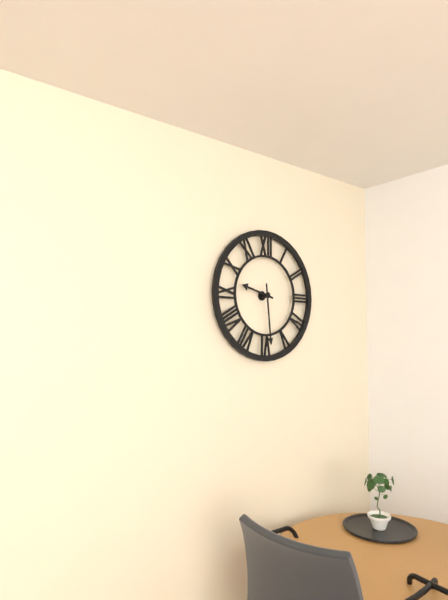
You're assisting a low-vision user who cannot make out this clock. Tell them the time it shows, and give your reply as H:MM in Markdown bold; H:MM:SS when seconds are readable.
**9:29**
